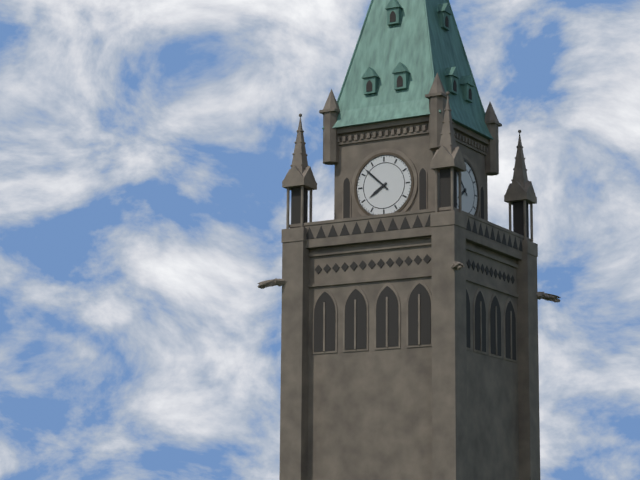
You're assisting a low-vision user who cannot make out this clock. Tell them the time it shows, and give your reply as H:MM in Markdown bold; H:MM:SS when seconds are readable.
**7:52**
